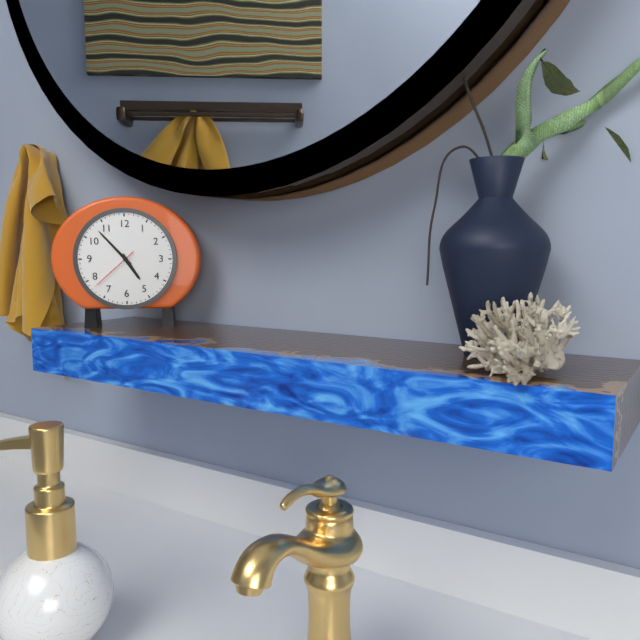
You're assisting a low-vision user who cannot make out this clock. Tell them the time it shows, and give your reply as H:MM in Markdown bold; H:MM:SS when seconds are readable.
**4:53:38**
